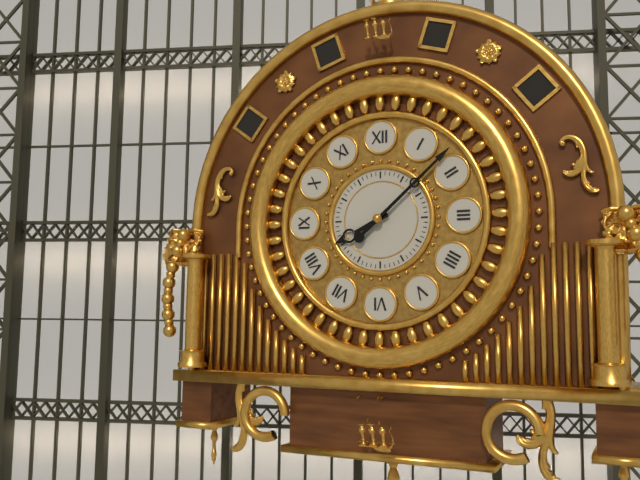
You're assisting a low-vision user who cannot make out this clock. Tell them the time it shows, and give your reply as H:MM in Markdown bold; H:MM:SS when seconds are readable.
**8:08**
